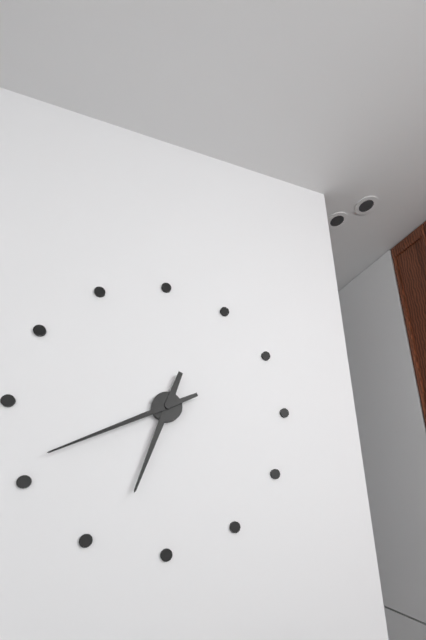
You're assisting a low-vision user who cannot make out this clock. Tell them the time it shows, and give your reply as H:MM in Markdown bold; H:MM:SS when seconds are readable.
**6:41**
